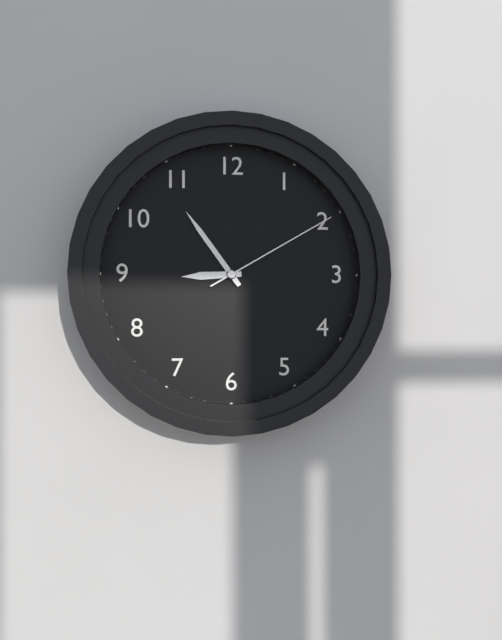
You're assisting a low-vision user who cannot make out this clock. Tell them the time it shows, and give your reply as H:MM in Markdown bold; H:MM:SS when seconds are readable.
**8:54:10**
